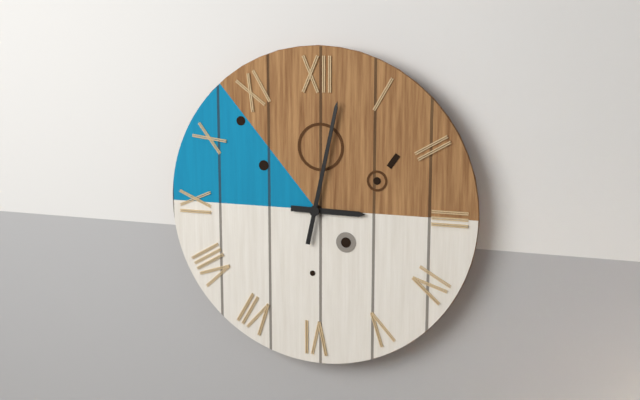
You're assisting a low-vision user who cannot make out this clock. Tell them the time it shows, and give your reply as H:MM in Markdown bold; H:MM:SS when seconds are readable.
**3:02**
